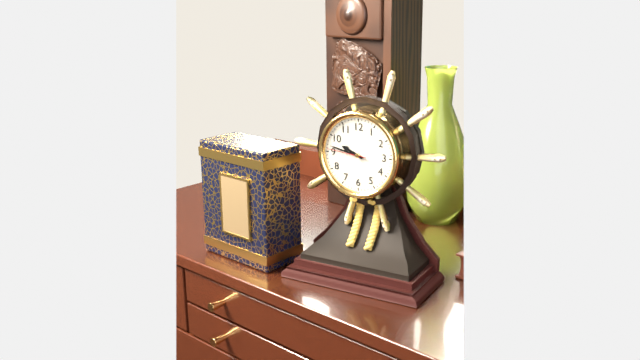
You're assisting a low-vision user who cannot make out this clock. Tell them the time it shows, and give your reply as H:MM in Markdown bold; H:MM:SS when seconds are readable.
**9:47**
